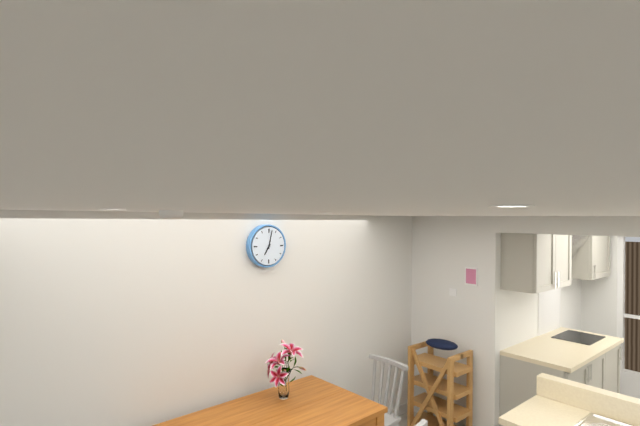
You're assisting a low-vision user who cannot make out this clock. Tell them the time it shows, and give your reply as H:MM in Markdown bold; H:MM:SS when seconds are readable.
**7:02**
